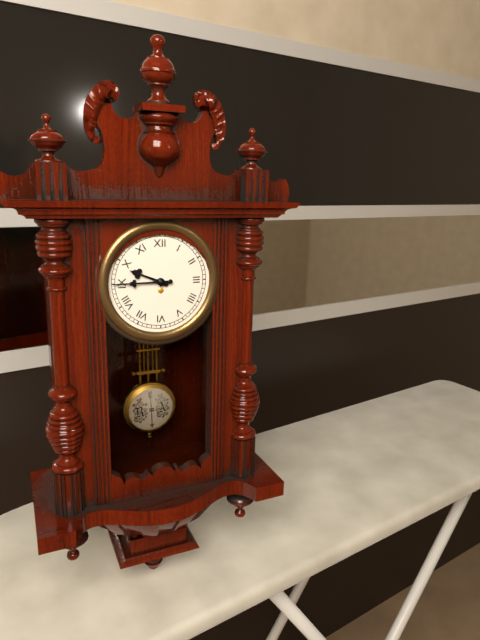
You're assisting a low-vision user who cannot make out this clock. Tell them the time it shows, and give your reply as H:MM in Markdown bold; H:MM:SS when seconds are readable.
**9:45**
